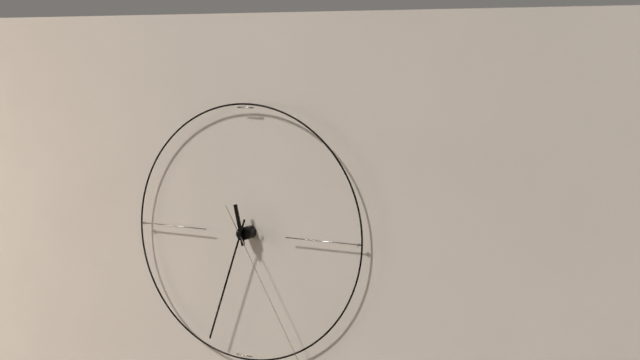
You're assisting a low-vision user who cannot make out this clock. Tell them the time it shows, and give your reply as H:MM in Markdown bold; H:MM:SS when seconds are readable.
**11:33**
